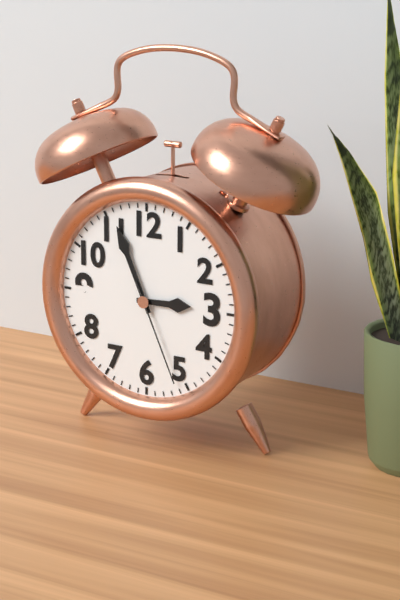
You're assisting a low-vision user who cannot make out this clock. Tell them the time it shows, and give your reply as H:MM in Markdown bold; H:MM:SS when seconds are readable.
**2:56:26**
